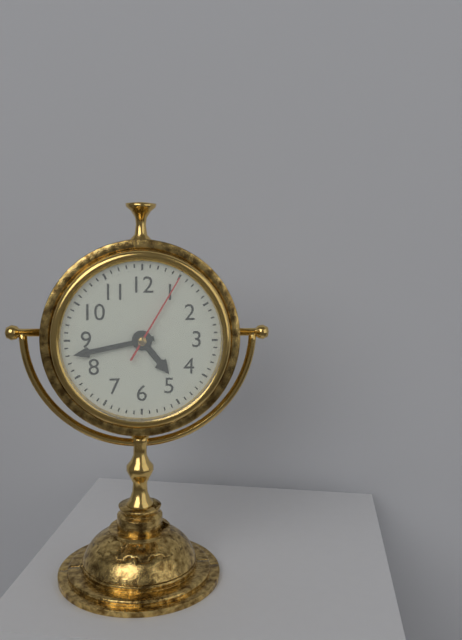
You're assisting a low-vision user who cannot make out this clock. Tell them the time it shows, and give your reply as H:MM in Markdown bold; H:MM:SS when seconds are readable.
**4:43:05**
